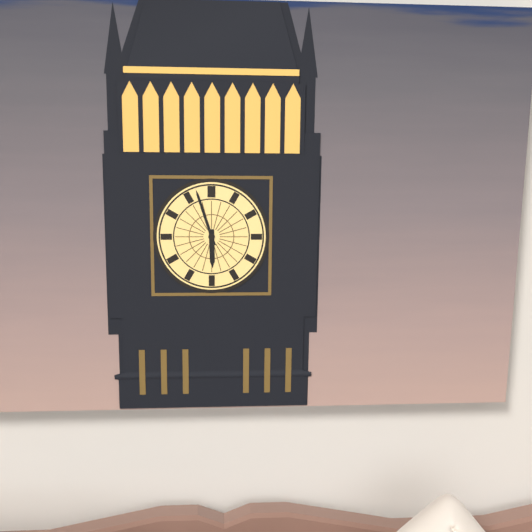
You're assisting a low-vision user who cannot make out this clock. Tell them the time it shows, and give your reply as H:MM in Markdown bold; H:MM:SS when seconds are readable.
**5:57**
